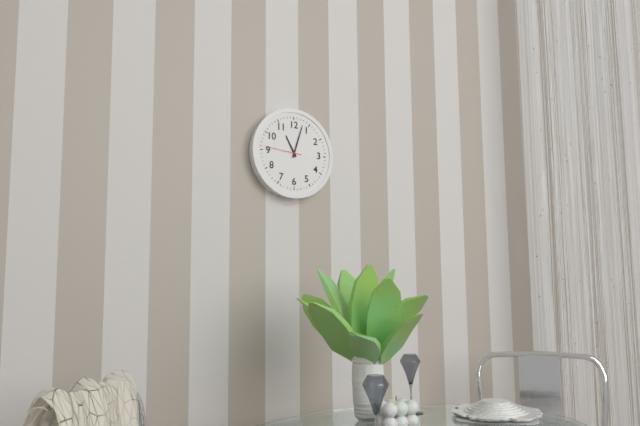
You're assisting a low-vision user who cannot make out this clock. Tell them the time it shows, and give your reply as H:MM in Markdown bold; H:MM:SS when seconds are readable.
**11:03**
